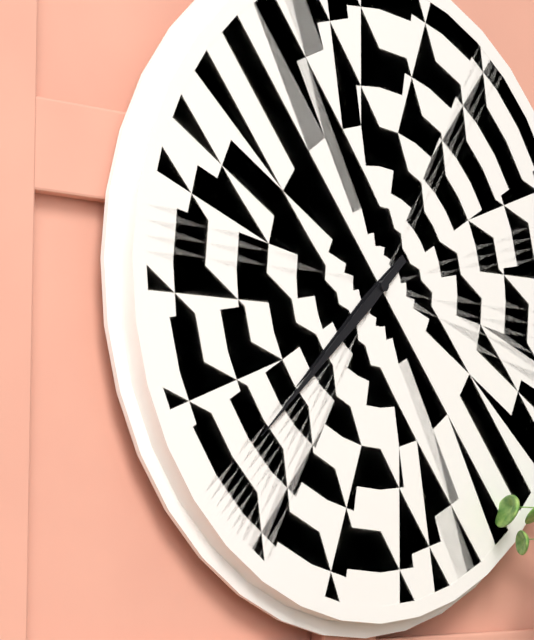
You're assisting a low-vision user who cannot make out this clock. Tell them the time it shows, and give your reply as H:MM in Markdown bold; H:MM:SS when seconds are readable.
**7:38**
